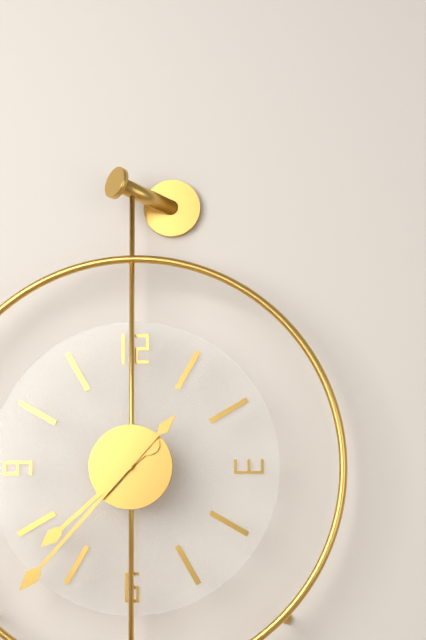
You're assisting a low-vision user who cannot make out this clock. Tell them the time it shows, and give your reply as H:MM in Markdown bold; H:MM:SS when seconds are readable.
**7:37**
